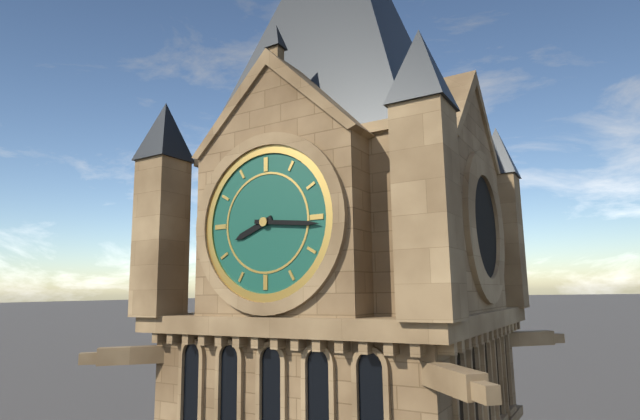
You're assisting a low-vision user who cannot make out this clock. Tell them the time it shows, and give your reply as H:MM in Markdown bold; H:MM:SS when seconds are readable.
**8:16**
